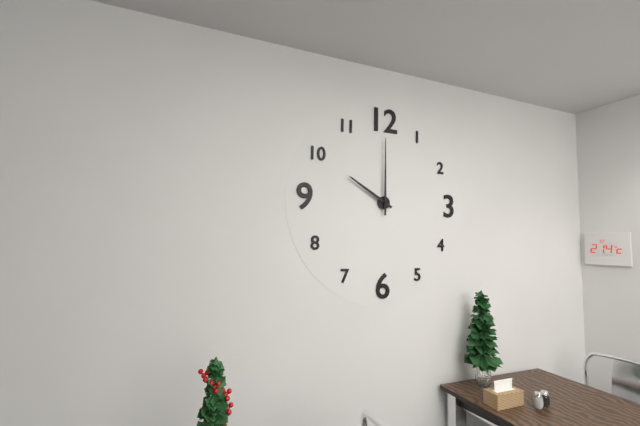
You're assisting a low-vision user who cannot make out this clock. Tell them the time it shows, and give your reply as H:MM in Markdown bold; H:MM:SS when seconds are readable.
**10:00**
